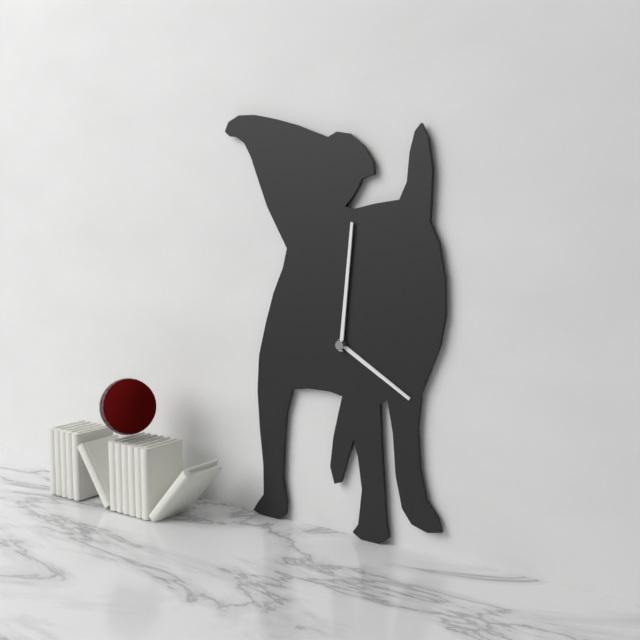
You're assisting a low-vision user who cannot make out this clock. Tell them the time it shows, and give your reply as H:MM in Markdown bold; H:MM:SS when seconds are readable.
**4:01**
